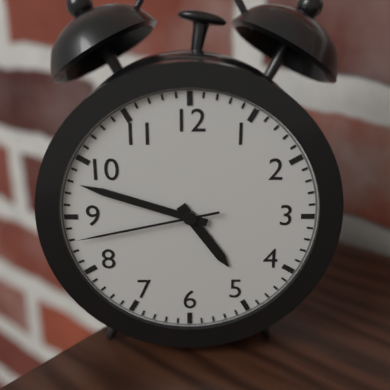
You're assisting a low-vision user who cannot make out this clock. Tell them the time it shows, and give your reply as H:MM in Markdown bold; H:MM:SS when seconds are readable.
**4:48:43**
